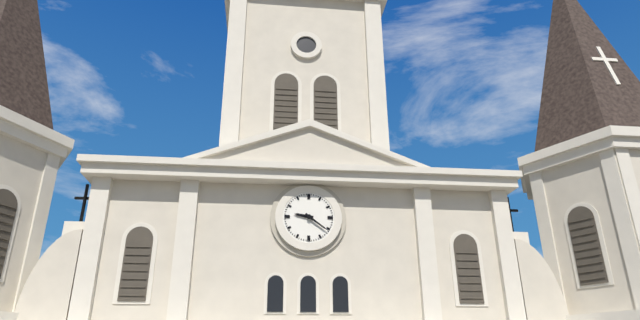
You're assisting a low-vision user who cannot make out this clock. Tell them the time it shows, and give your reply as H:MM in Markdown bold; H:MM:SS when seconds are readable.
**9:21**
